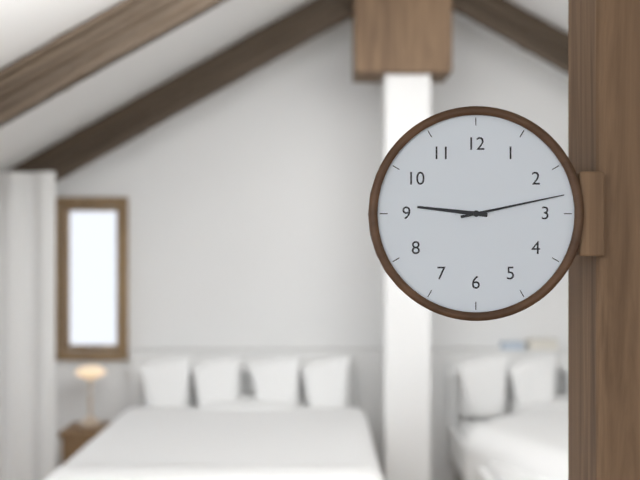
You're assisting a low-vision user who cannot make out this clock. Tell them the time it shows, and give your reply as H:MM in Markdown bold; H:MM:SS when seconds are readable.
**9:13**
